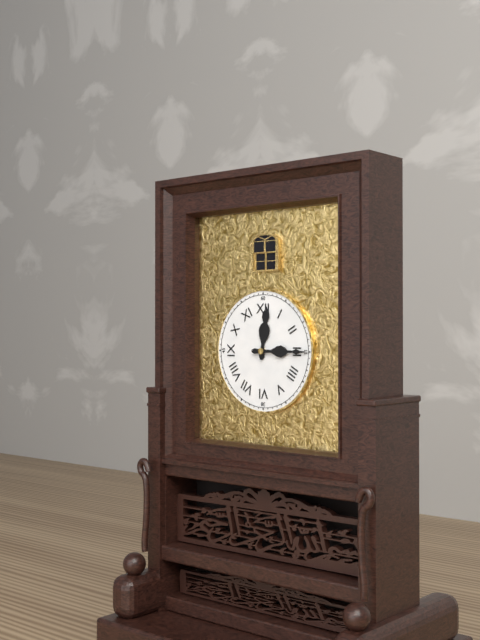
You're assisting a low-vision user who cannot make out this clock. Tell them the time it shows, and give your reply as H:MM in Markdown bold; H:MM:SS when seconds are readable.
**12:15**
